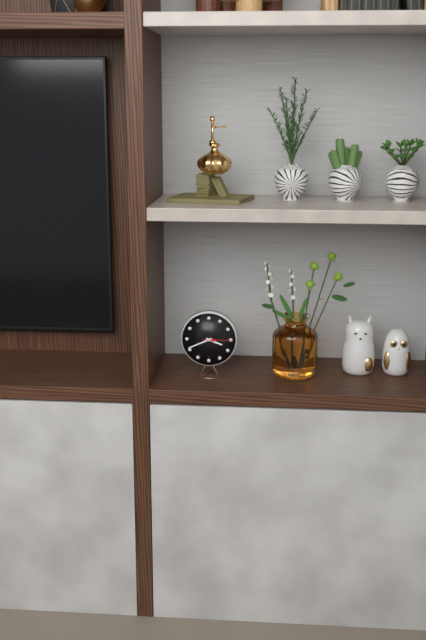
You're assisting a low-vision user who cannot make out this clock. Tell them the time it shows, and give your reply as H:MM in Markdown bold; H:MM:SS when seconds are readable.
**3:41**
